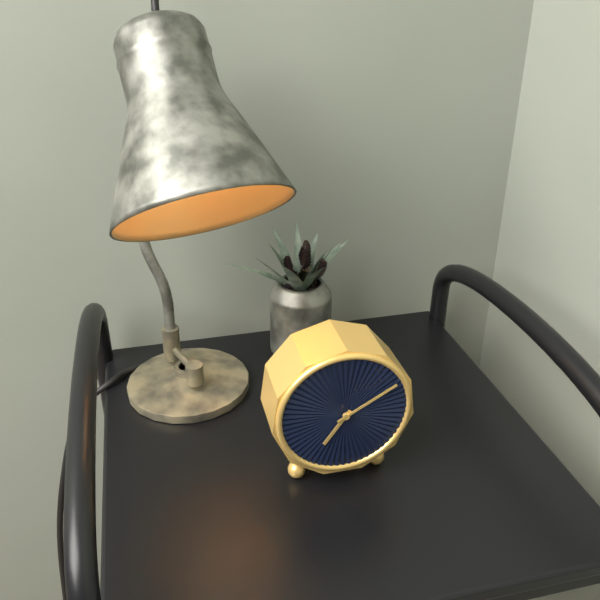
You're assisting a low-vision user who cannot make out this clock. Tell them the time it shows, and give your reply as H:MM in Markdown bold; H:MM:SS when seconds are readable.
**7:10**
